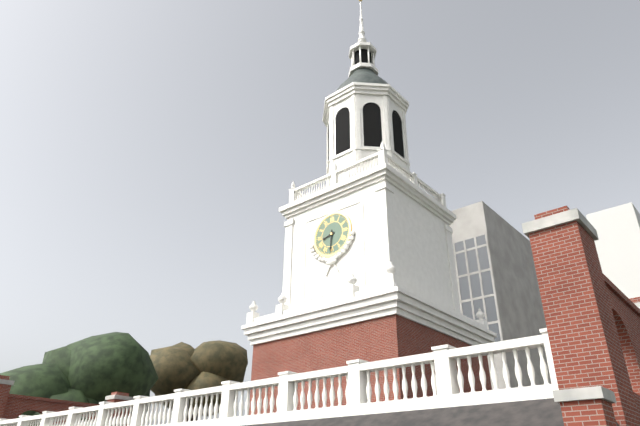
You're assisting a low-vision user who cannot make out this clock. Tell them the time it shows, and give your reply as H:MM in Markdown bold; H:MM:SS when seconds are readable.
**8:31**
